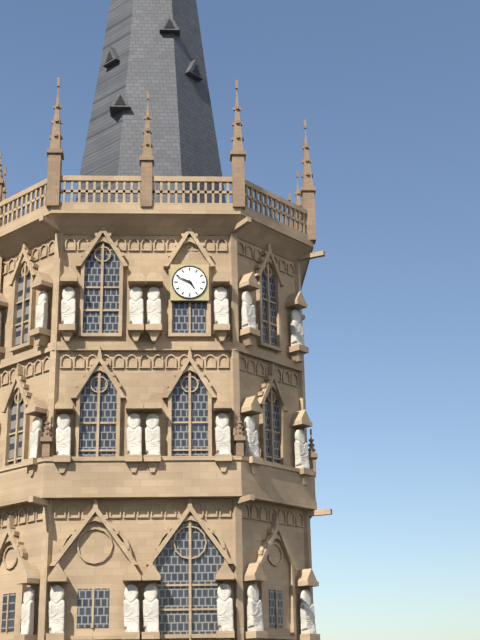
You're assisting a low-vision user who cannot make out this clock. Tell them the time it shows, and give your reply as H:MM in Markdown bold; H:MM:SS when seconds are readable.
**4:49**
